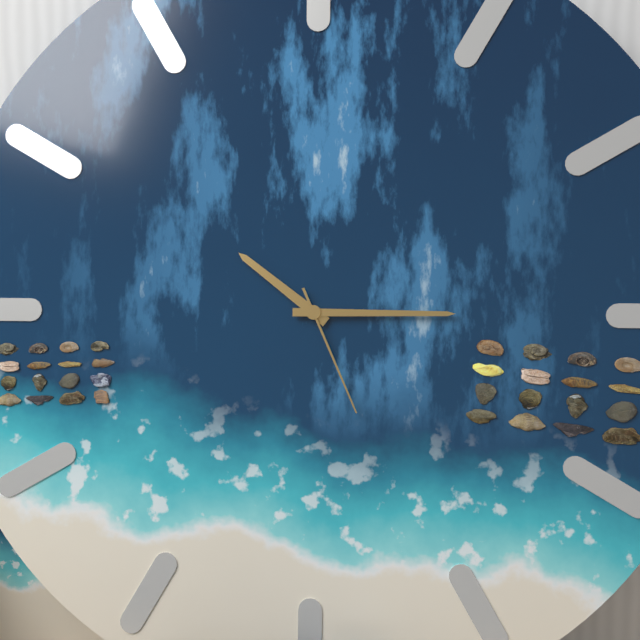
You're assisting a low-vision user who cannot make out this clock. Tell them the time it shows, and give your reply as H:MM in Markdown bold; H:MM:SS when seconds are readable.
**10:15:26**
